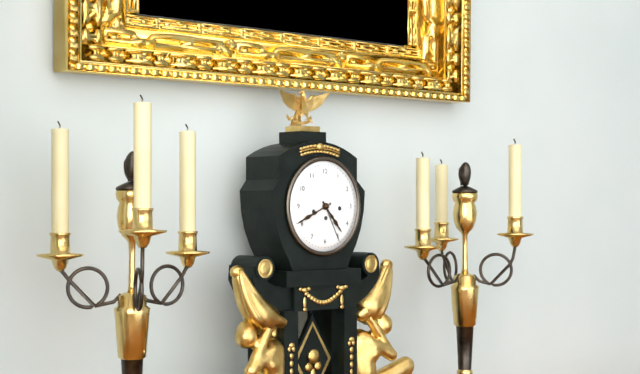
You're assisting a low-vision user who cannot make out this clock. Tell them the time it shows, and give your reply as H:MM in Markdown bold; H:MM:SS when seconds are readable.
**4:41**
